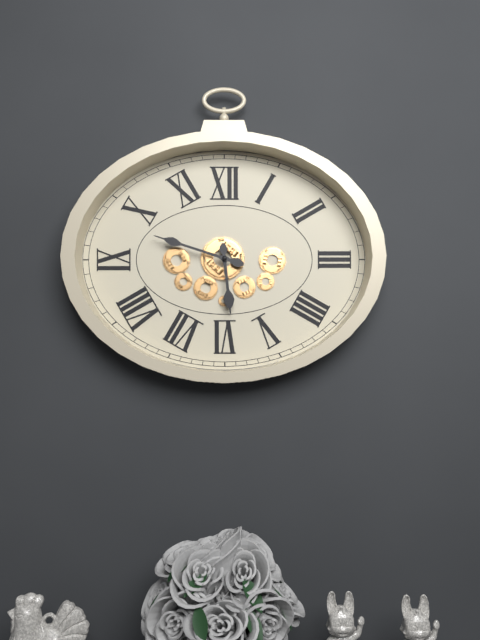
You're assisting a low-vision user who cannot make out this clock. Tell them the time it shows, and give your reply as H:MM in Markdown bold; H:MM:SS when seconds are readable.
**5:48**
